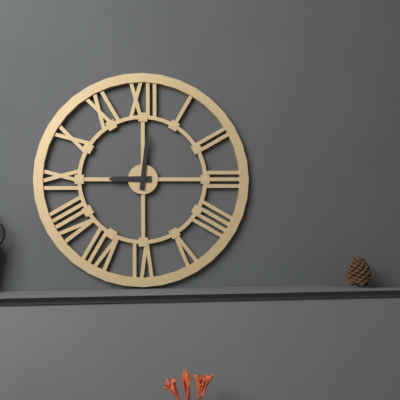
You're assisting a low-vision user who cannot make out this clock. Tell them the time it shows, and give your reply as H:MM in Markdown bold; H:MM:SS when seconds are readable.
**9:01**
